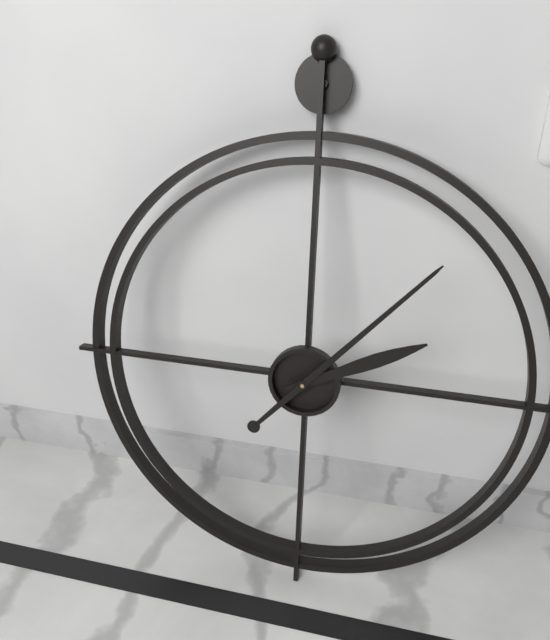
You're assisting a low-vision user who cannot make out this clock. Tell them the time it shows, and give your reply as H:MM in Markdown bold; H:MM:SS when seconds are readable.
**2:07**
